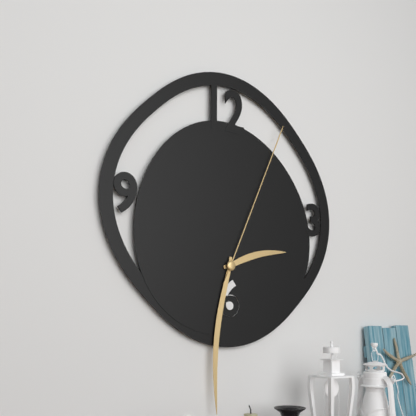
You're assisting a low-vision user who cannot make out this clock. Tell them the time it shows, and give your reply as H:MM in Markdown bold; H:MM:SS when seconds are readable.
**2:31:04**
